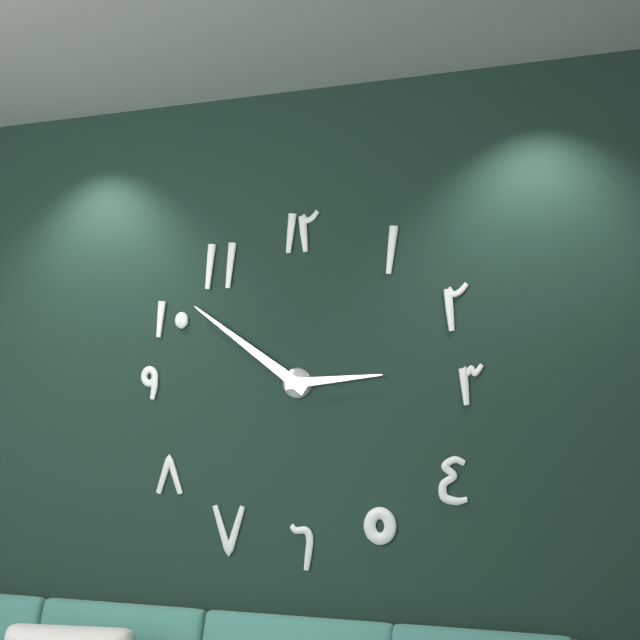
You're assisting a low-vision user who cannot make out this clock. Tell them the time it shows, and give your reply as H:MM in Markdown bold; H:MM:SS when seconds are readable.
**2:51**
